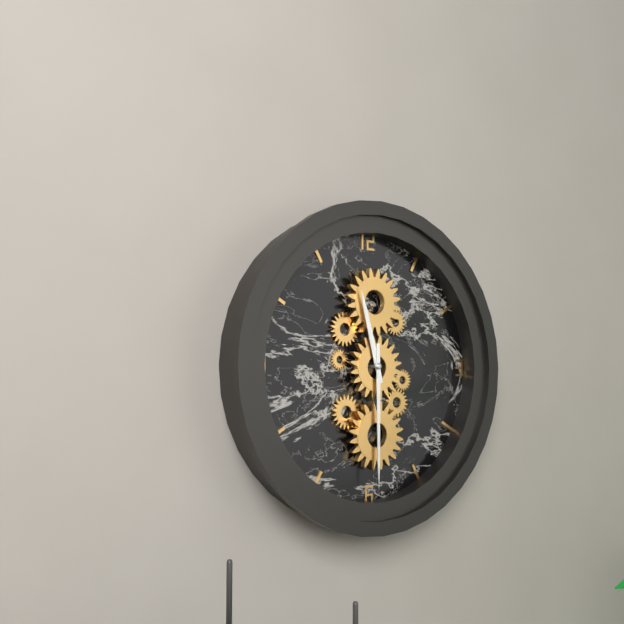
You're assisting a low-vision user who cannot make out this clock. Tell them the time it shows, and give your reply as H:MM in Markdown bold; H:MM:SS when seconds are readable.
**11:30**
